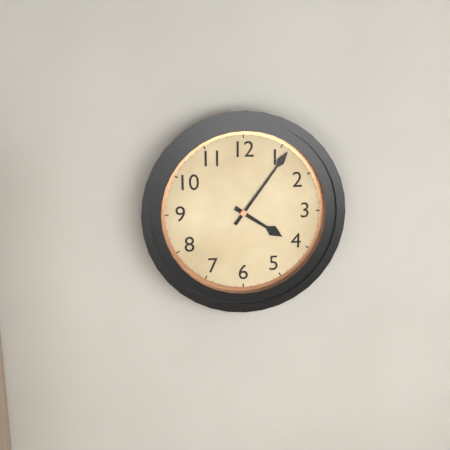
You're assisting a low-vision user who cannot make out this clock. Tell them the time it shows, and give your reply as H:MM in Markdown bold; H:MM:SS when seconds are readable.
**4:06**
